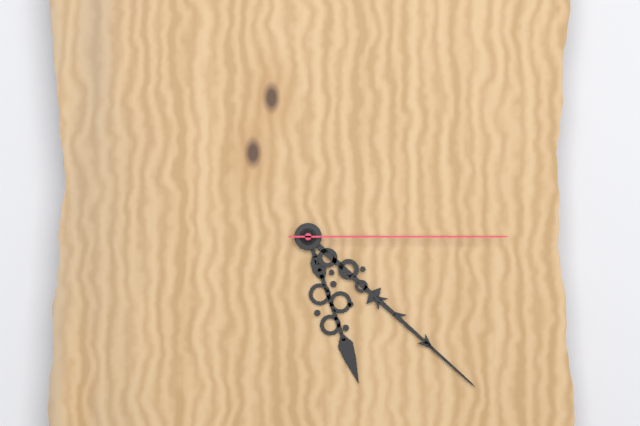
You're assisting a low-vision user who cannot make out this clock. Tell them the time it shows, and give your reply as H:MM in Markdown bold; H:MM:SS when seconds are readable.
**5:22:15**
